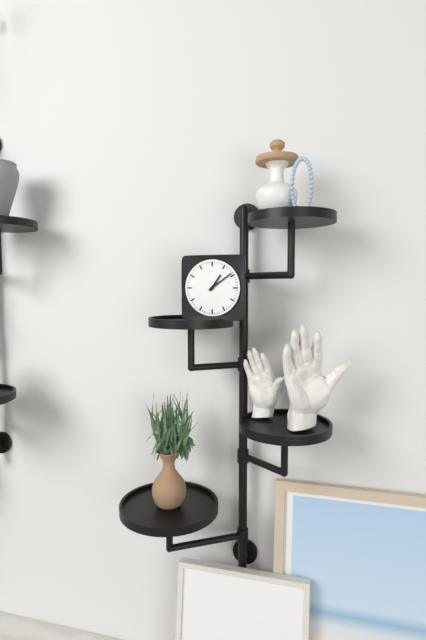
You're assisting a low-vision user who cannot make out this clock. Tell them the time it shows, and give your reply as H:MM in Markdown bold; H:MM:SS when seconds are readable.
**1:09**
